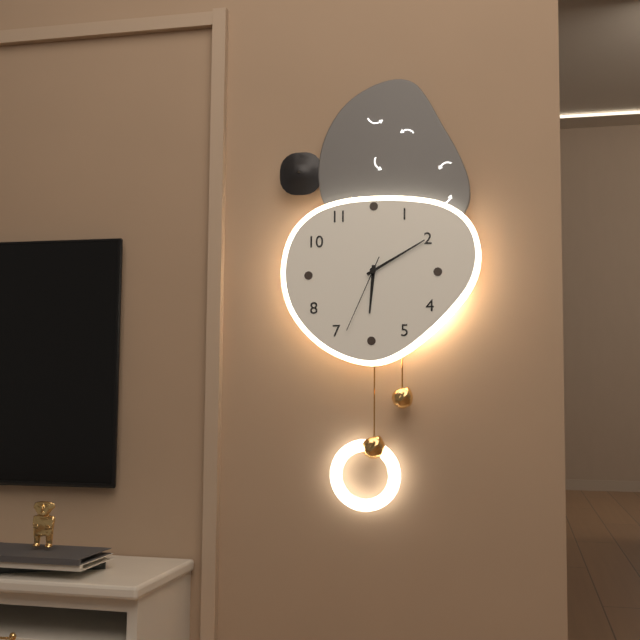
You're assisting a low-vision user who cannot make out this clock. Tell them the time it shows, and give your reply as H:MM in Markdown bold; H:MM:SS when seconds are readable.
**6:10:34**
